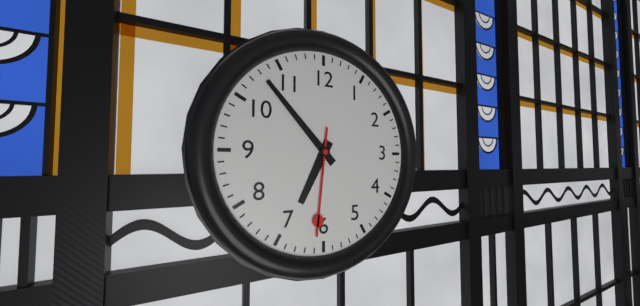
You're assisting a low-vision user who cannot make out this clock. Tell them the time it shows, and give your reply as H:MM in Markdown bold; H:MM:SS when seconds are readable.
**6:53:31**
